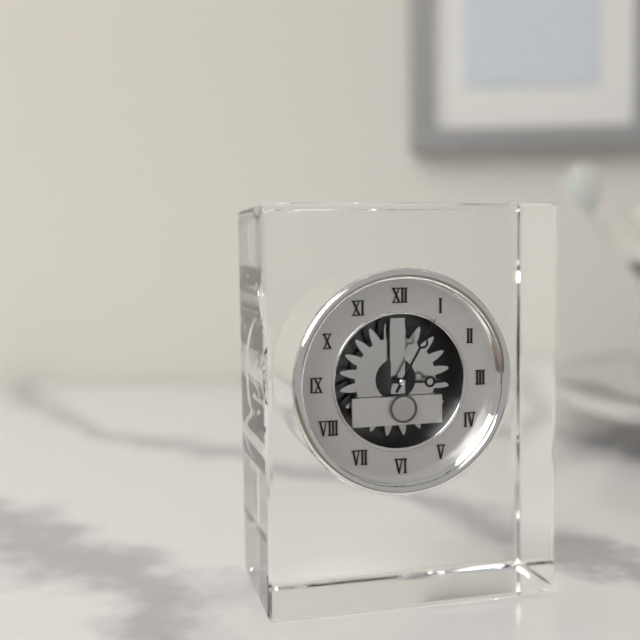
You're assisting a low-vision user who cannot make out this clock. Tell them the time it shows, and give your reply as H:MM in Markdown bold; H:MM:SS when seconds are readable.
**3:05**
